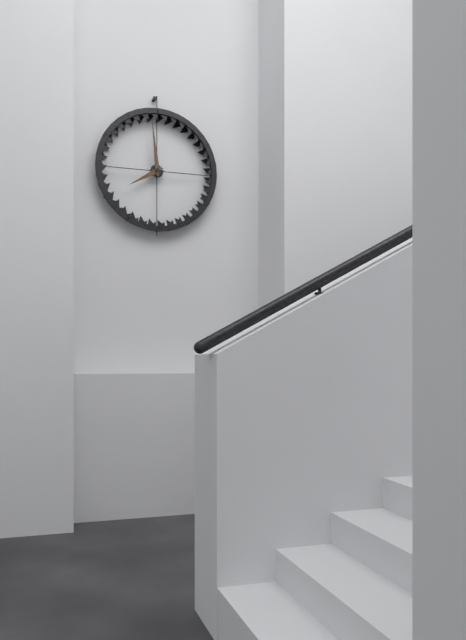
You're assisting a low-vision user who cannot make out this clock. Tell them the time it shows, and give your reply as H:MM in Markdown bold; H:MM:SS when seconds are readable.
**7:59**
